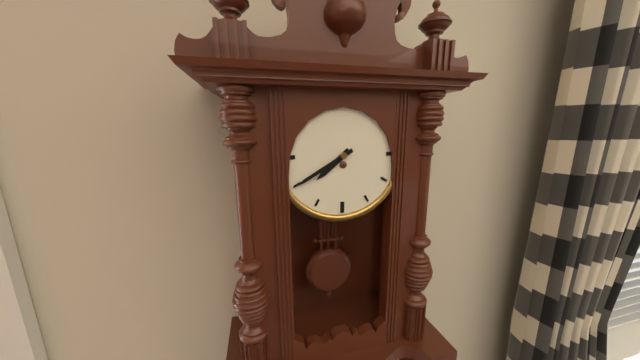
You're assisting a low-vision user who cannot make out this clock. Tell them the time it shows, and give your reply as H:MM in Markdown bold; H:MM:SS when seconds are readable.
**7:40**
